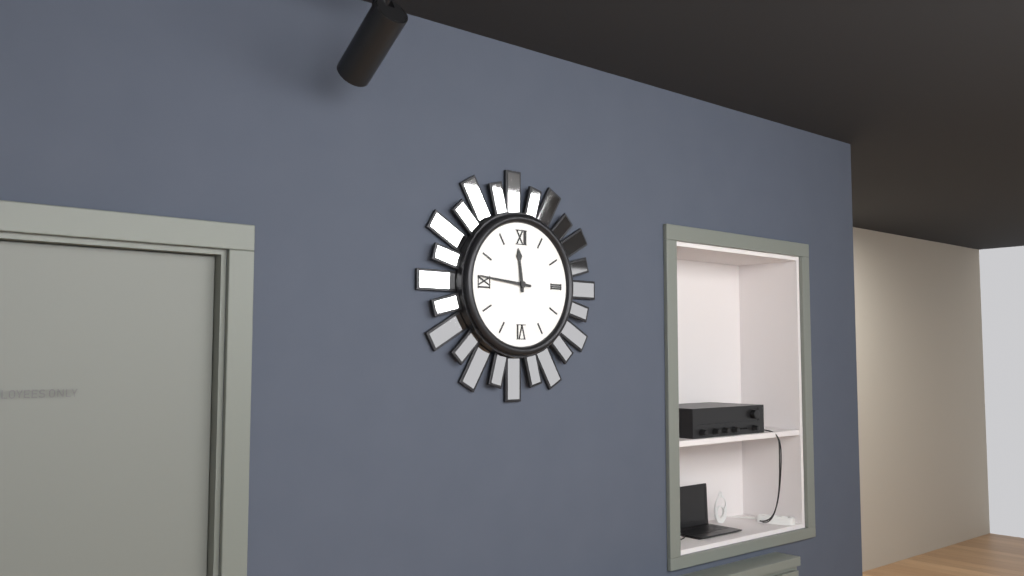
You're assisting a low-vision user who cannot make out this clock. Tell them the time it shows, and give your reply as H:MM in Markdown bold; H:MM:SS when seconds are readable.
**11:46**
